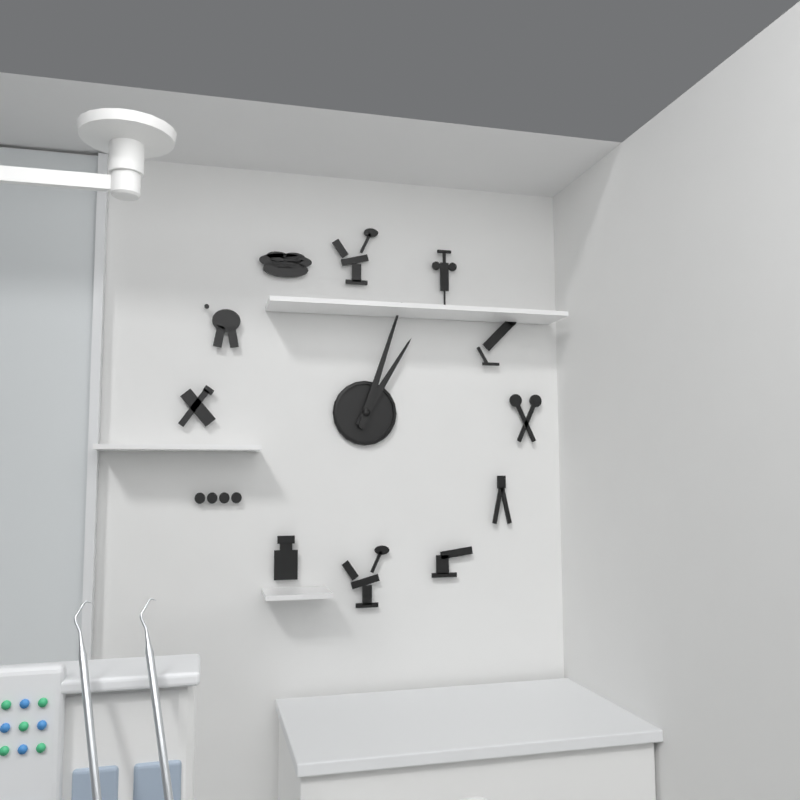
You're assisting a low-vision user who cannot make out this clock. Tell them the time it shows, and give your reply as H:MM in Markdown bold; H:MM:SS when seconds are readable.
**1:03**
